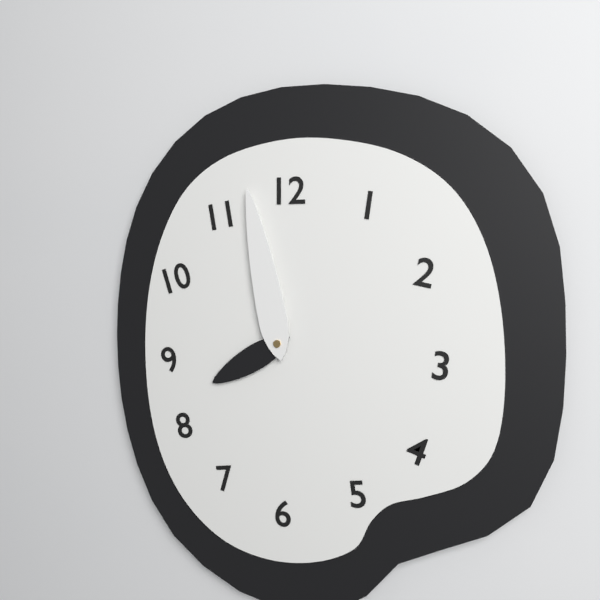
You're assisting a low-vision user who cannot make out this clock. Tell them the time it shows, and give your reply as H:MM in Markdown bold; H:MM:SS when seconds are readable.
**7:58**
